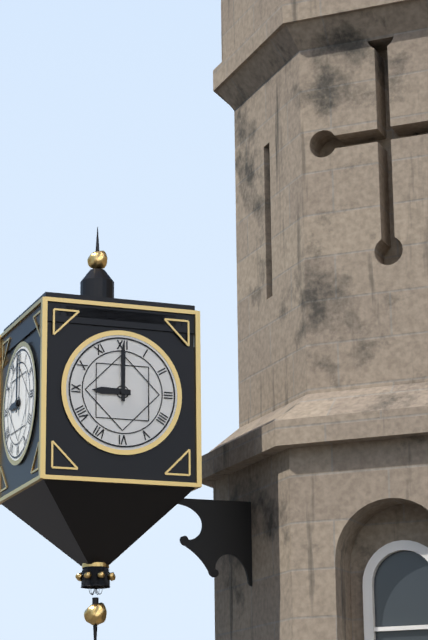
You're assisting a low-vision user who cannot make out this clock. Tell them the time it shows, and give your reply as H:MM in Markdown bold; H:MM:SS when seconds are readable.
**9:00**
